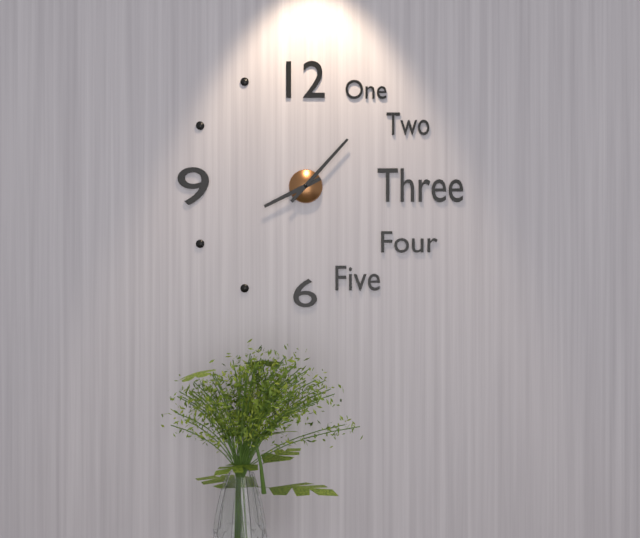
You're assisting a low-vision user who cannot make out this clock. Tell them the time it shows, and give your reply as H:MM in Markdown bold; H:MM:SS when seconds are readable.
**8:07**
